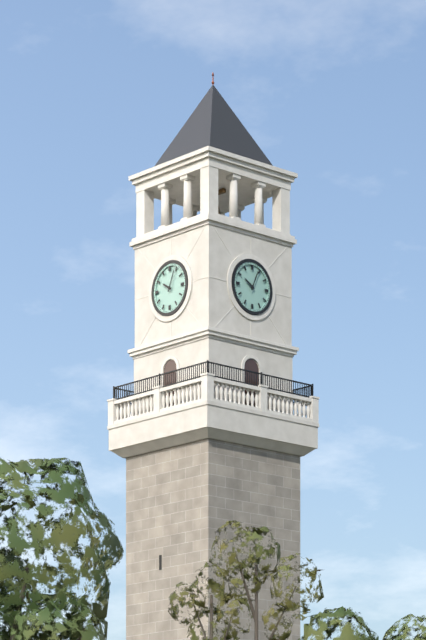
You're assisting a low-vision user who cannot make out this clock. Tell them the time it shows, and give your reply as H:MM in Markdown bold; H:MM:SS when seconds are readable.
**10:04**
